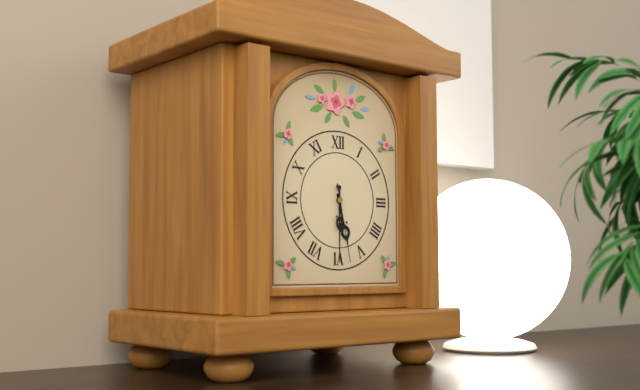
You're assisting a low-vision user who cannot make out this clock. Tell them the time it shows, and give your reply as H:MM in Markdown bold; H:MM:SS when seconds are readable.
**5:30:28**
